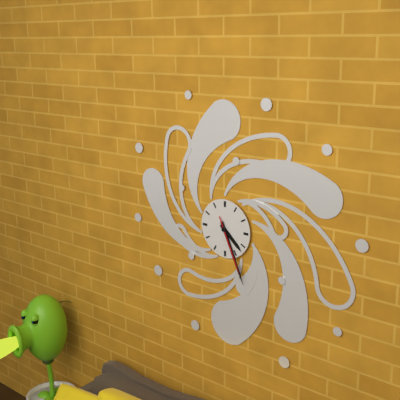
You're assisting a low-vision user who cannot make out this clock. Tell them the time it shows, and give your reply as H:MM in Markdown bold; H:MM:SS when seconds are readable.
**4:26:26**
